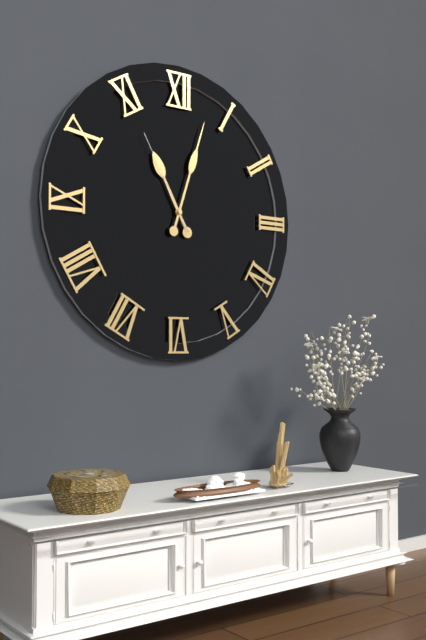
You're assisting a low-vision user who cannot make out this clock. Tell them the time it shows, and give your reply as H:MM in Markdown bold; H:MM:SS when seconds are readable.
**11:03:55**
